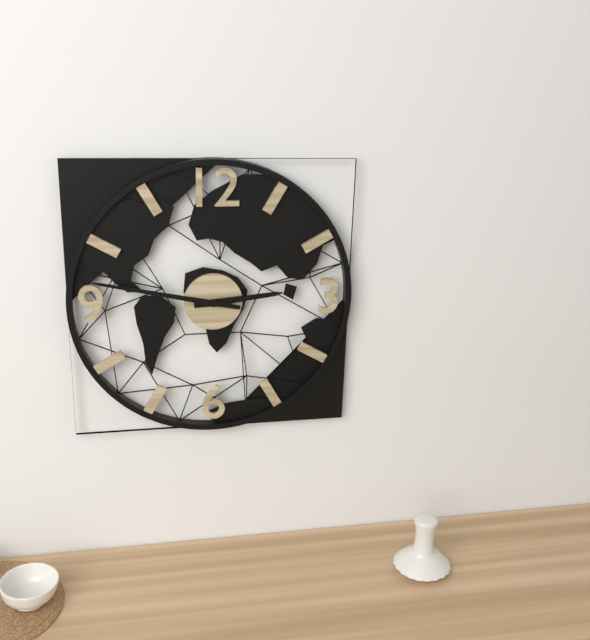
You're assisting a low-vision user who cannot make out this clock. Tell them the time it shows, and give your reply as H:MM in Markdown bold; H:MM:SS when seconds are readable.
**2:47**
